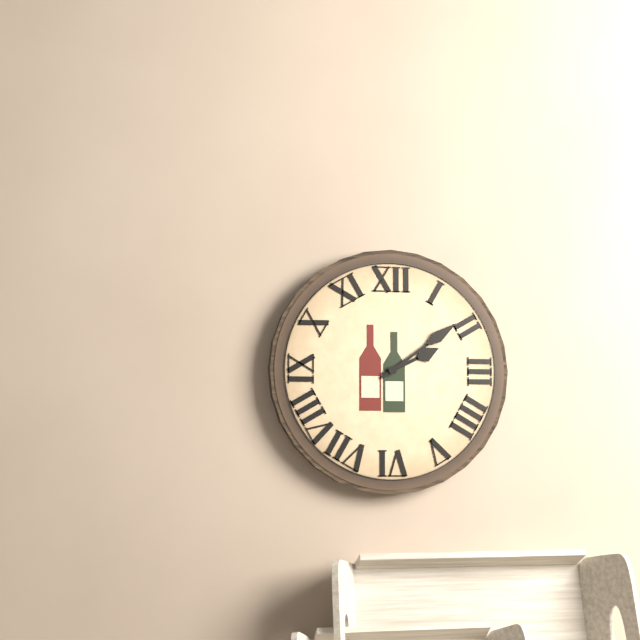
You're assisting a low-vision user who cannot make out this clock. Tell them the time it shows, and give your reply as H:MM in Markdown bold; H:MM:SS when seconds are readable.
**2:09**
